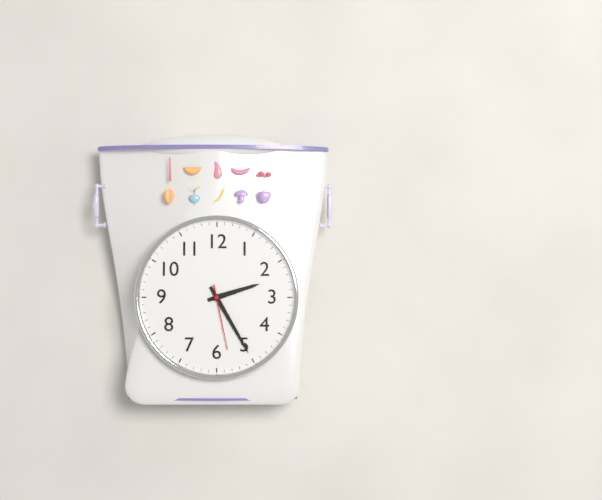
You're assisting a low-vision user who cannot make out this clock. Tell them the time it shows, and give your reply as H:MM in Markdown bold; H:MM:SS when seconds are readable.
**2:25:28**
